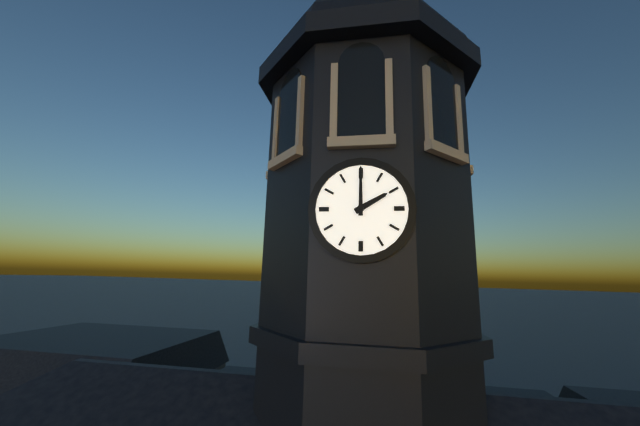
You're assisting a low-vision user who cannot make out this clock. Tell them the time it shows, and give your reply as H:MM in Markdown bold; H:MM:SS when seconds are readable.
**2:00**
